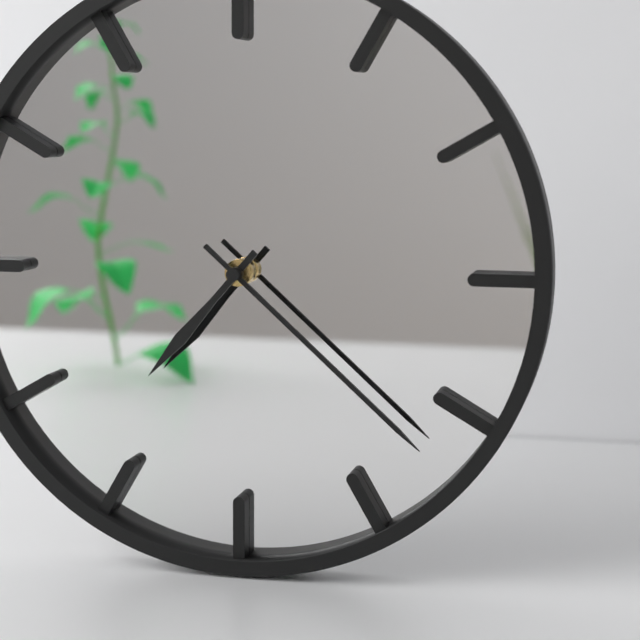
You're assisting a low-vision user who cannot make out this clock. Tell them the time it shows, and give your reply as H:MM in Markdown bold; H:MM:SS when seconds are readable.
**7:22**
